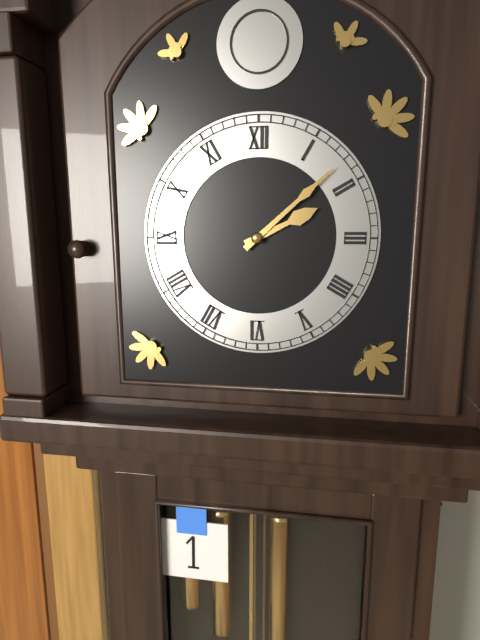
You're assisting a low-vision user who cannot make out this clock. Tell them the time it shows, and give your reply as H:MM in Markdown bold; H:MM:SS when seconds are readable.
**2:08**
